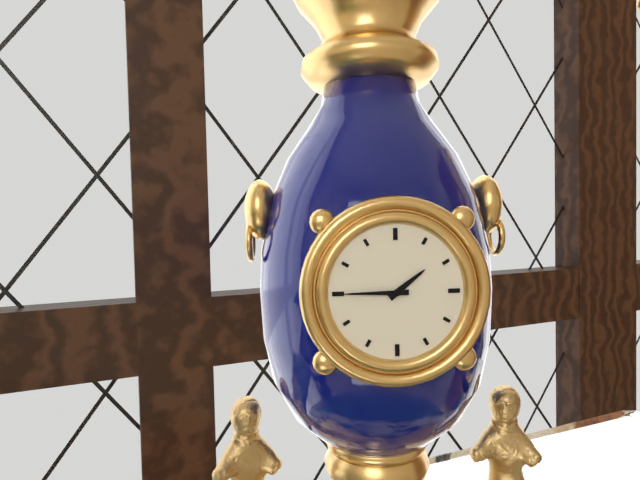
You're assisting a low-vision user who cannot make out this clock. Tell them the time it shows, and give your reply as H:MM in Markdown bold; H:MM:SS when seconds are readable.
**1:45**
